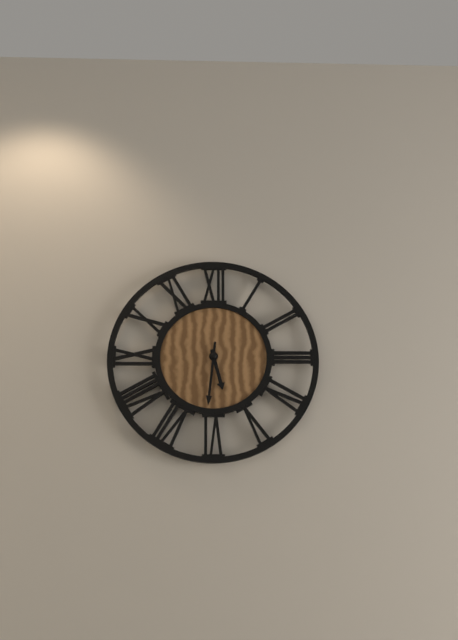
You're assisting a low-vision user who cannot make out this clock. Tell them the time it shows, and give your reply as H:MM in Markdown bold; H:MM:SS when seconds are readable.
**5:31**
